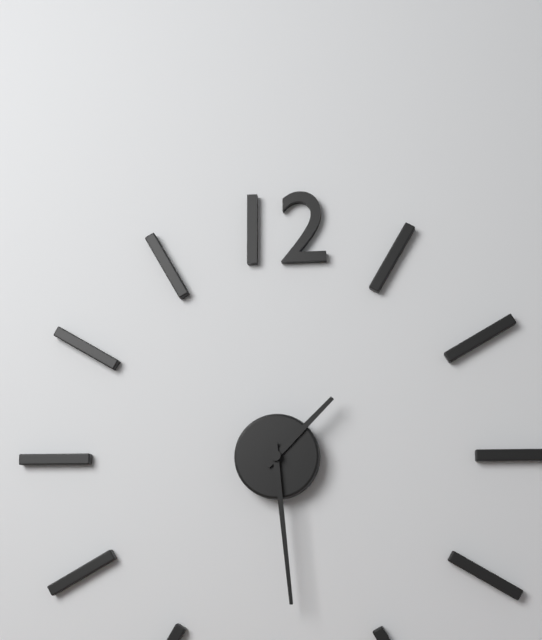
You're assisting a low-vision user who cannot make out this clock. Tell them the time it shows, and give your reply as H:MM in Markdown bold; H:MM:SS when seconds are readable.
**1:29**
